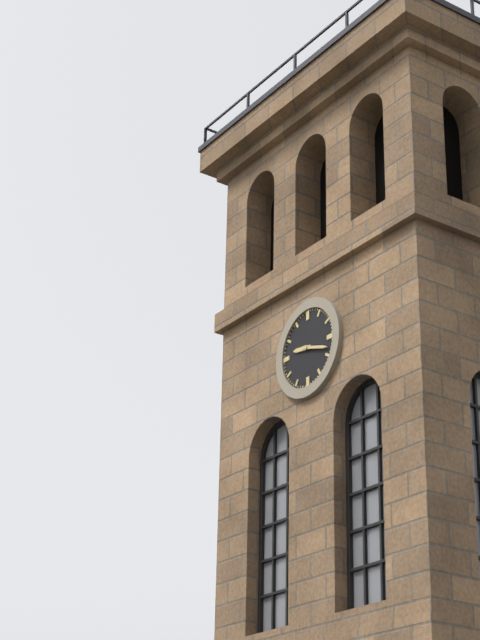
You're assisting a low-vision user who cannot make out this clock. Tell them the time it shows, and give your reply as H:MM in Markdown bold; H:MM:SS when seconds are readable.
**9:18**
